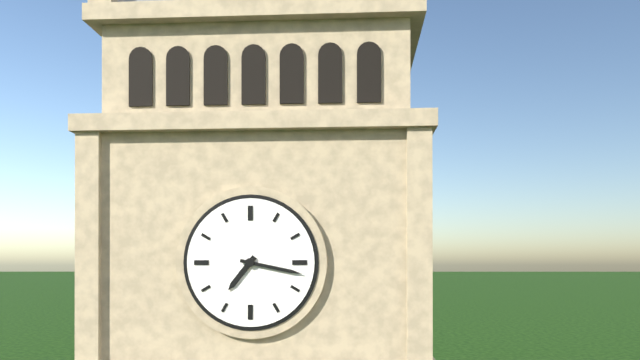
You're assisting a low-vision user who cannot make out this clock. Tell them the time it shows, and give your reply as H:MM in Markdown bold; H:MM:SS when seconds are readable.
**7:17**
